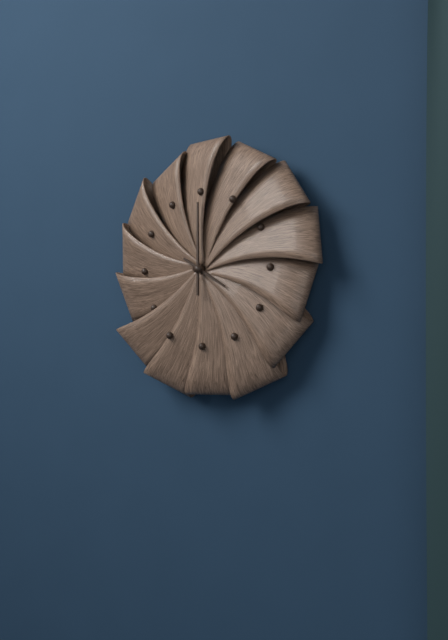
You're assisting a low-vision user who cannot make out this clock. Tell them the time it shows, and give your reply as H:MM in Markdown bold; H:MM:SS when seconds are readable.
**4:00**
